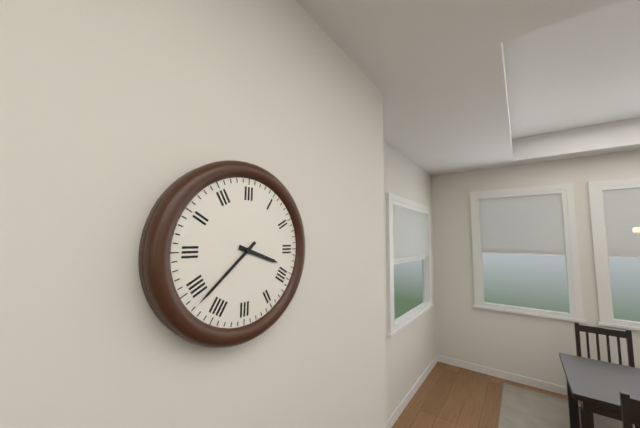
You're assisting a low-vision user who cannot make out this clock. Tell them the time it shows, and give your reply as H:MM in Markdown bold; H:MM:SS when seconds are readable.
**3:38**
